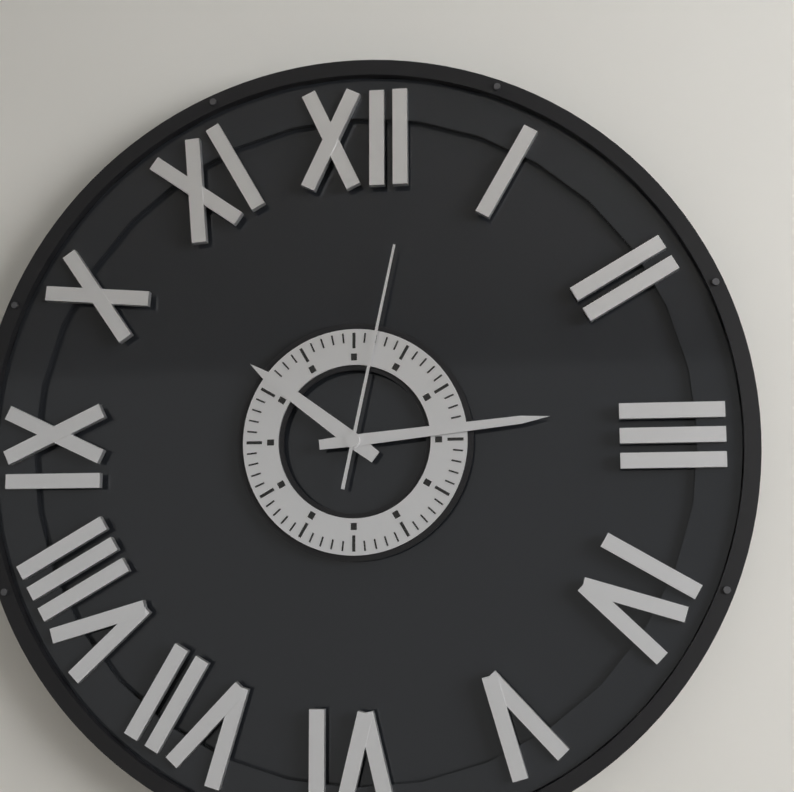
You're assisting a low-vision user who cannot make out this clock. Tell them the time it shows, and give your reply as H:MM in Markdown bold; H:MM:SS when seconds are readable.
**10:14:02**
